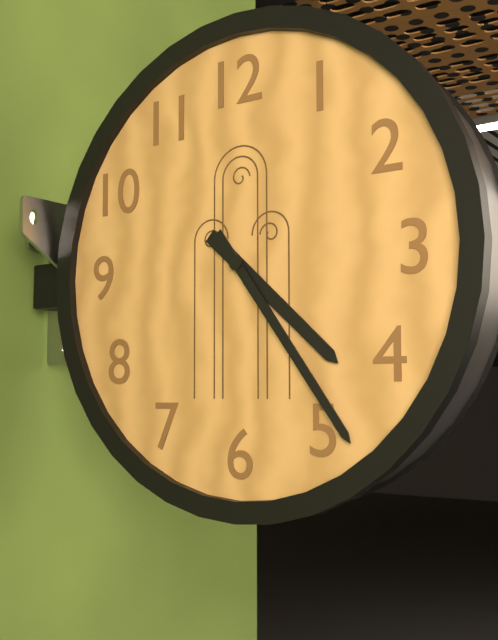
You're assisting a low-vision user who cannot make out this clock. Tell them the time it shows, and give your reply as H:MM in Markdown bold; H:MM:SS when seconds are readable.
**4:24**
